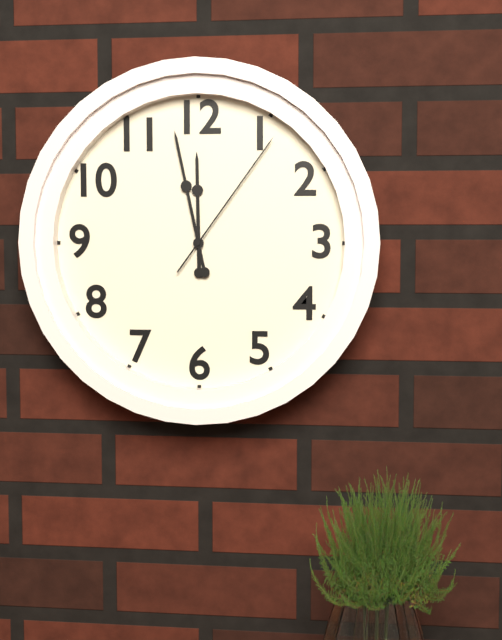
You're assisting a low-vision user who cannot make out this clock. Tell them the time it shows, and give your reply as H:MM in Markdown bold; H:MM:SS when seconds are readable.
**11:58:06**
